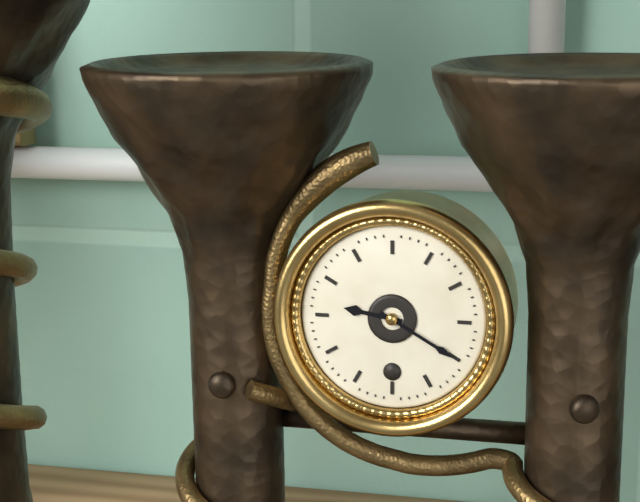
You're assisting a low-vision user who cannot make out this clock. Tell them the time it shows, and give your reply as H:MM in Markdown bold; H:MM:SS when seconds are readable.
**9:20**
